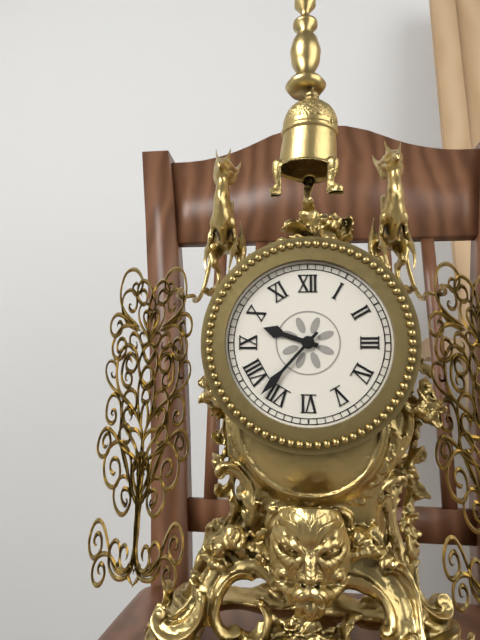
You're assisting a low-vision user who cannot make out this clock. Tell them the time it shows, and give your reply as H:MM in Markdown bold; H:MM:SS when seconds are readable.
**9:37**
